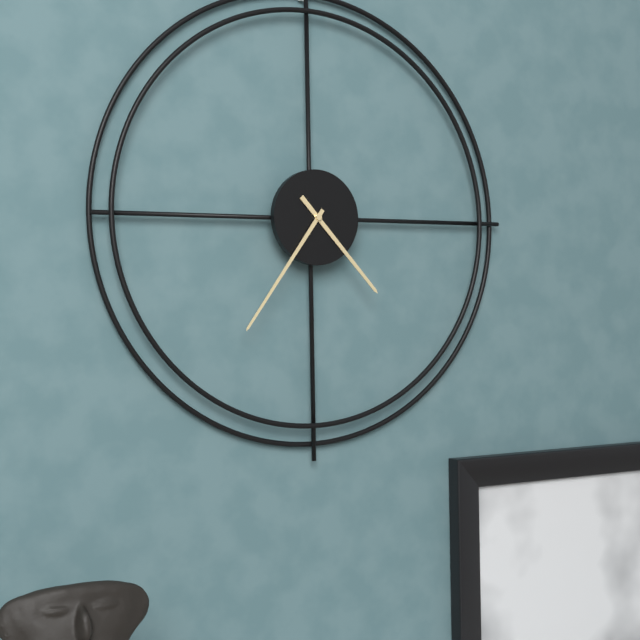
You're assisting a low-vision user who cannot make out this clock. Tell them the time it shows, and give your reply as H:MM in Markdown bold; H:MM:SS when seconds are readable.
**4:36**
